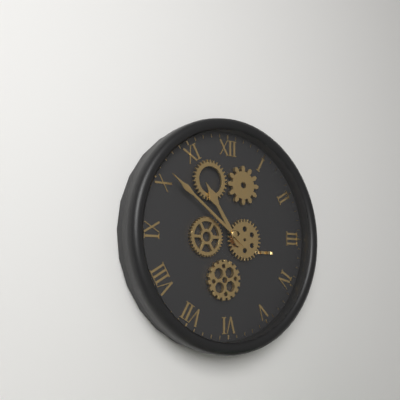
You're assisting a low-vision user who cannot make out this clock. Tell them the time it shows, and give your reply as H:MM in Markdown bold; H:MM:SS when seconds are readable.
**10:51**
